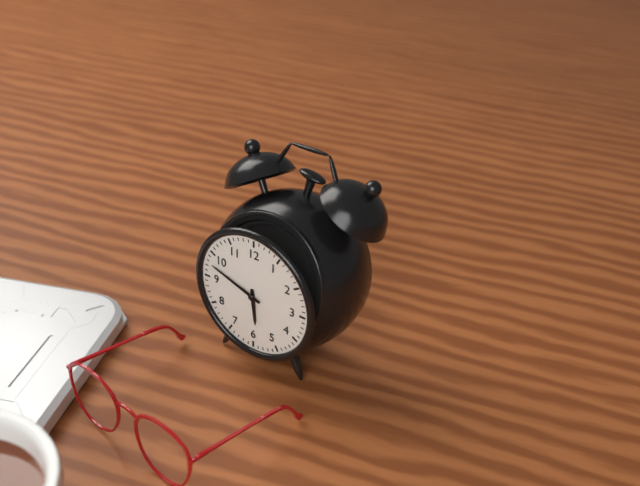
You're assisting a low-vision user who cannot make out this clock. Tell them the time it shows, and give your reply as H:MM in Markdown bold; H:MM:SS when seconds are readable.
**5:48**
